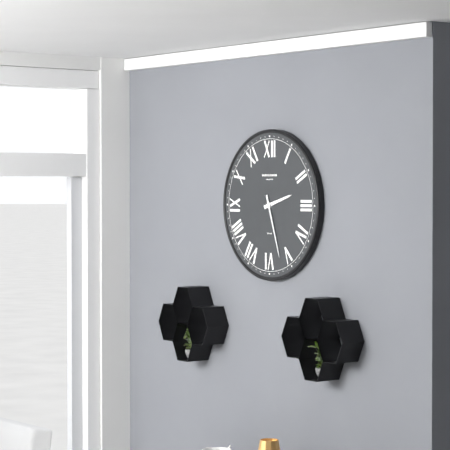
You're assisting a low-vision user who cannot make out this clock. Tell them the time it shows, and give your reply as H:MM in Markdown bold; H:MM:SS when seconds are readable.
**2:27**
